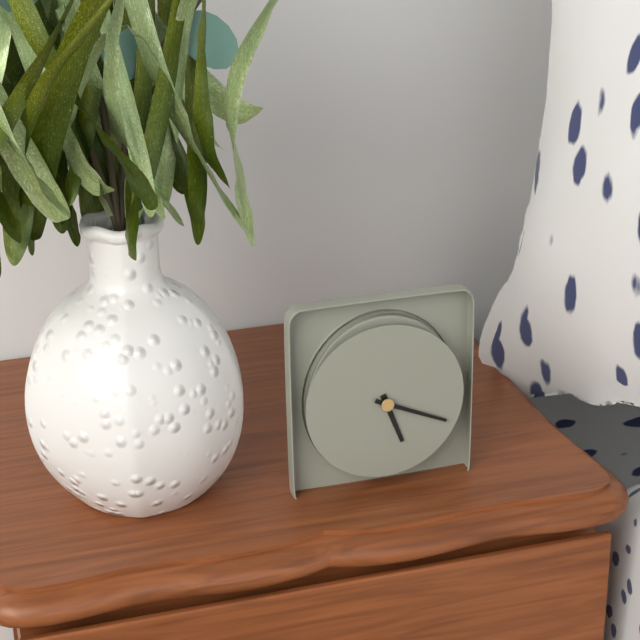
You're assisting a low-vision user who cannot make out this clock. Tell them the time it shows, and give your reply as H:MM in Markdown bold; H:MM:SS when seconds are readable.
**5:19**
